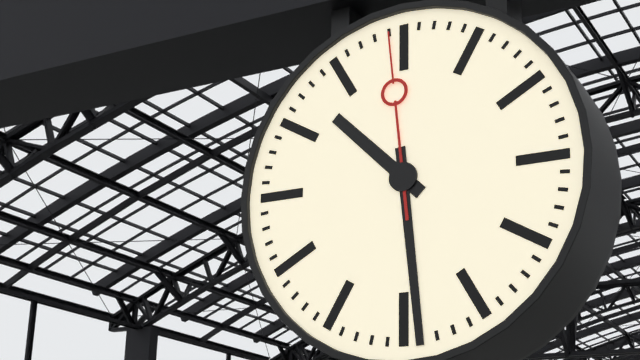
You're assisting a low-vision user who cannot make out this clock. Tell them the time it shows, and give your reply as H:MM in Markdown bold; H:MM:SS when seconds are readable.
**10:29:59**
